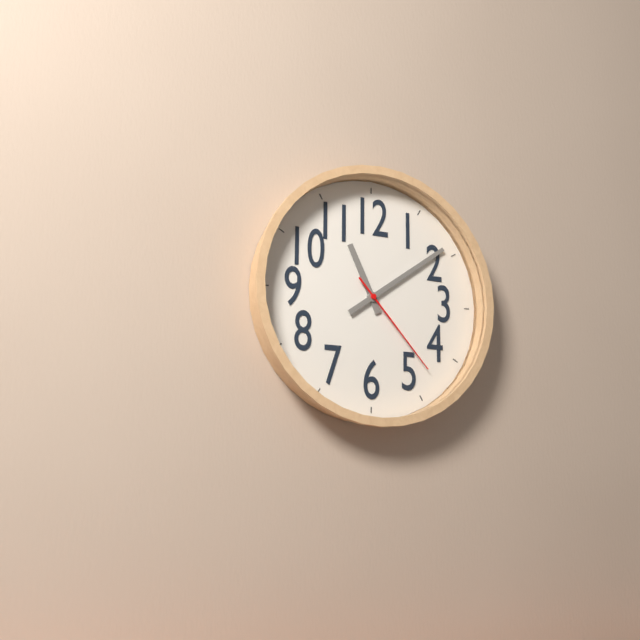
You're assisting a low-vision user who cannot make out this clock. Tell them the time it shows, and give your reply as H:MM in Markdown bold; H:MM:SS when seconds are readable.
**11:09:23**
